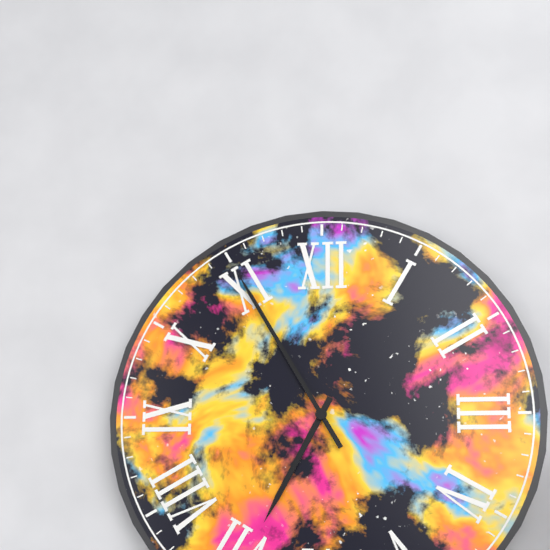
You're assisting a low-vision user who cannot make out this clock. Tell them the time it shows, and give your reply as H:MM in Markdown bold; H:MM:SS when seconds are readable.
**6:55**
